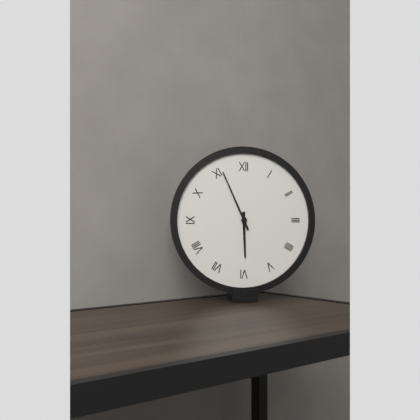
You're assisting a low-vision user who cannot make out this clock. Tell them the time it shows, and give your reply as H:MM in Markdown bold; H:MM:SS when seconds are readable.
**5:56**
